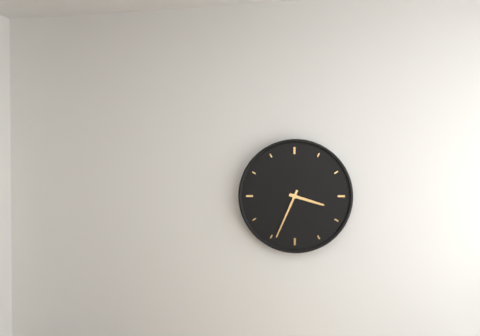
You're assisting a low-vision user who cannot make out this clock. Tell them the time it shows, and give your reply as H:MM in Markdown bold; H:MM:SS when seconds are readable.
**3:34**
